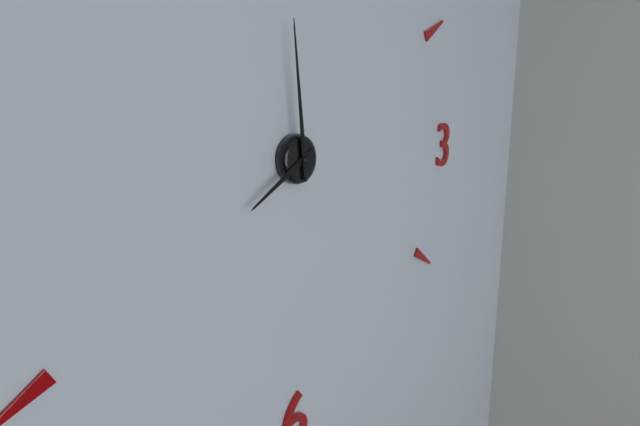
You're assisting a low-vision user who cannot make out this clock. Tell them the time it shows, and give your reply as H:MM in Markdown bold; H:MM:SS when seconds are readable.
**7:59**
